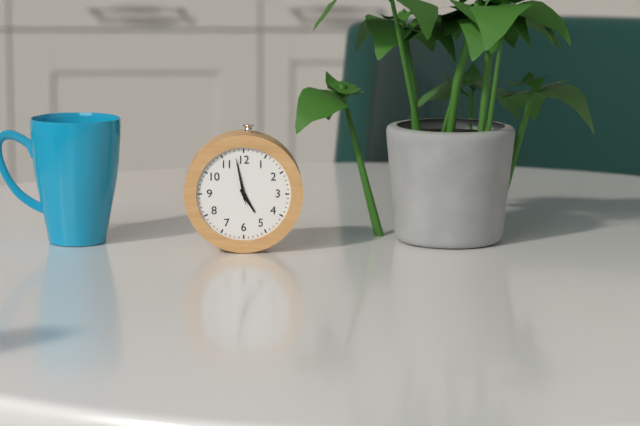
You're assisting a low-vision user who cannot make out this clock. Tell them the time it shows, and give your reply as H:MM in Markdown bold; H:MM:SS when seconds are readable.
**4:58**
